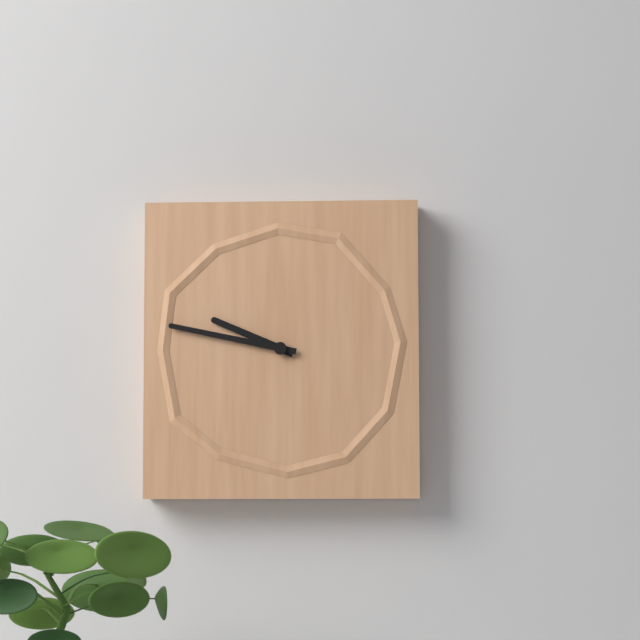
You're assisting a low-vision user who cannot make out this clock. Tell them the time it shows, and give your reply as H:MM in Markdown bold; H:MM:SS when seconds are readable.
**9:47**
